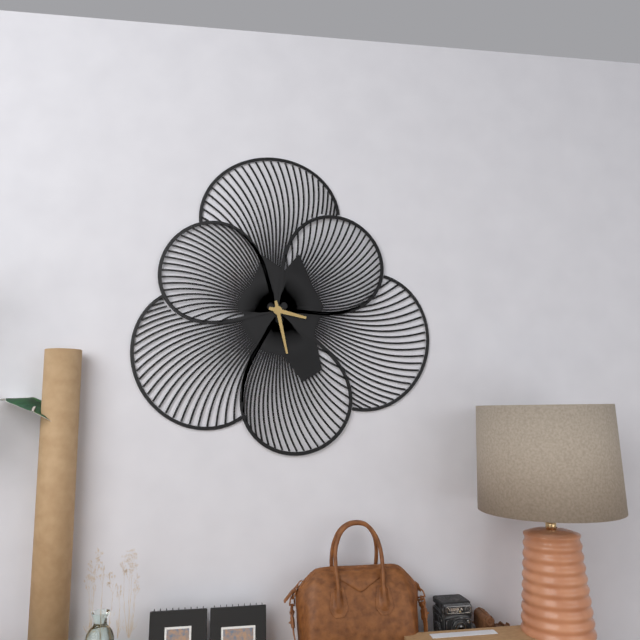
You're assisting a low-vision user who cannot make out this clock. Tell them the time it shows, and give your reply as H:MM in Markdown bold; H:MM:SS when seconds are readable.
**3:28**
